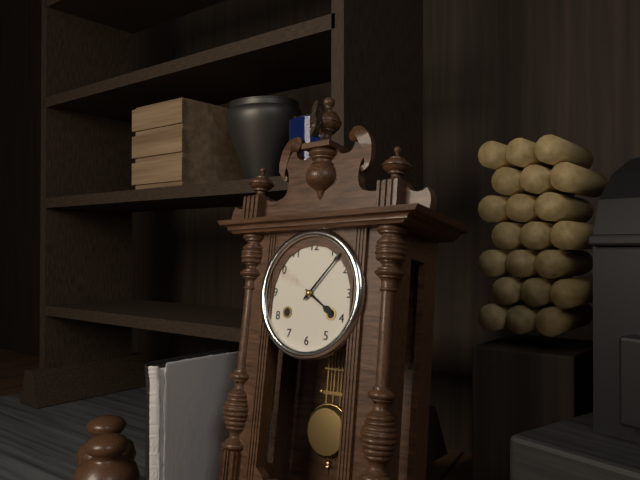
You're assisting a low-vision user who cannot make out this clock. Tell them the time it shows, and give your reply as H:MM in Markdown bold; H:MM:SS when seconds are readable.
**4:07**
